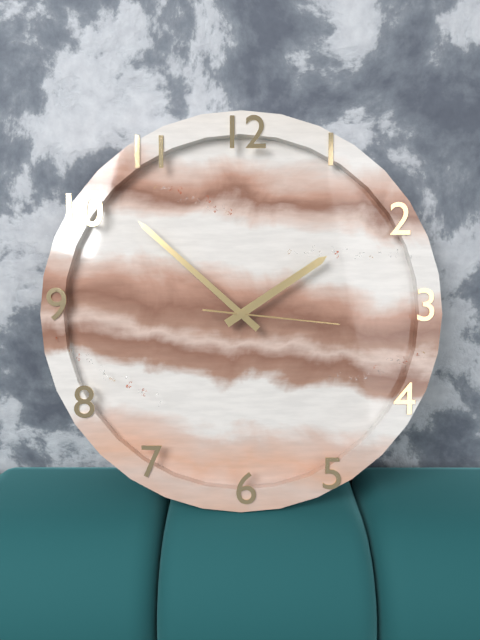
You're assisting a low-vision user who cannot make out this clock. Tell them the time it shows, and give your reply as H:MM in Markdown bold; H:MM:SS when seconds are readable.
**1:52:16**
